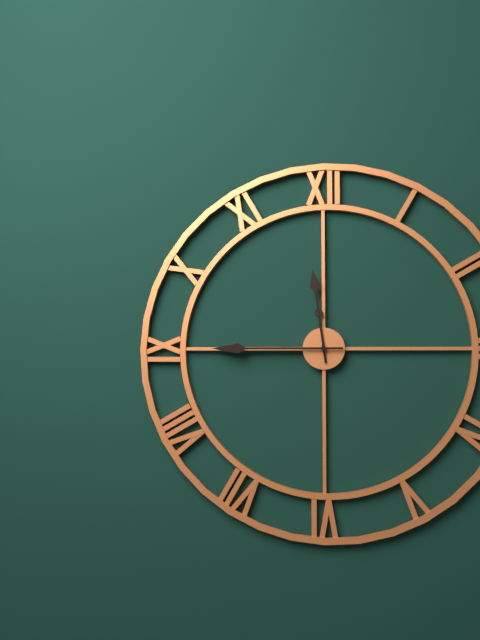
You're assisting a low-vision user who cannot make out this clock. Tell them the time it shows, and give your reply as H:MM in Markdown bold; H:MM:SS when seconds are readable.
**11:45**
